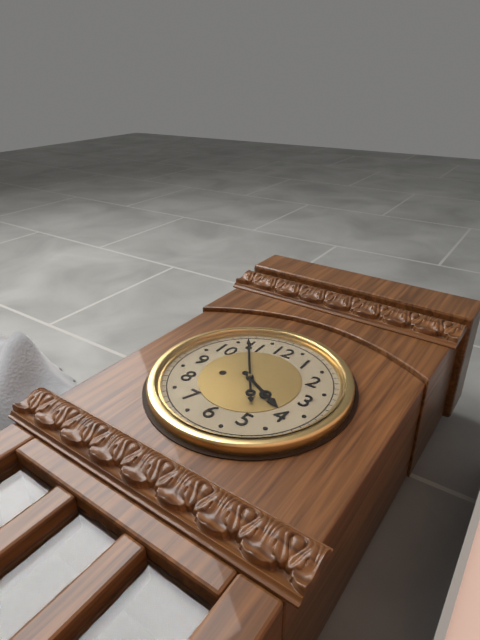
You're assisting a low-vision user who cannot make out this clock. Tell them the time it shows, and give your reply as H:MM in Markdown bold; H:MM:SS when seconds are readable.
**3:54**
